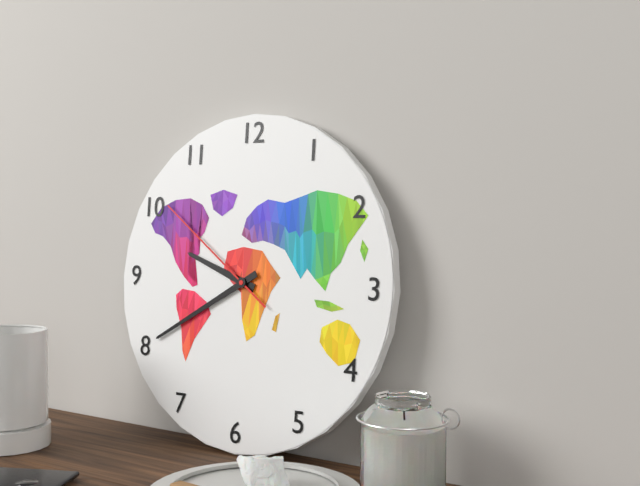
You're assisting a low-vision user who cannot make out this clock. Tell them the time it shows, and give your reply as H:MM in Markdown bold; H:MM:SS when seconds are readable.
**9:40:51**
